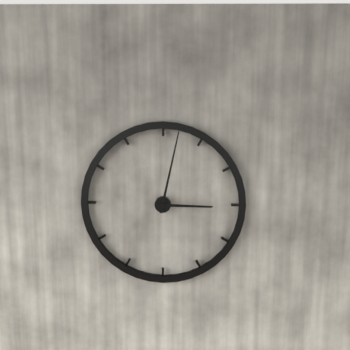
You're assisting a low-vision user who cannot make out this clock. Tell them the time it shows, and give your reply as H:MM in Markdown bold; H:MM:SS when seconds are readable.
**3:02**
